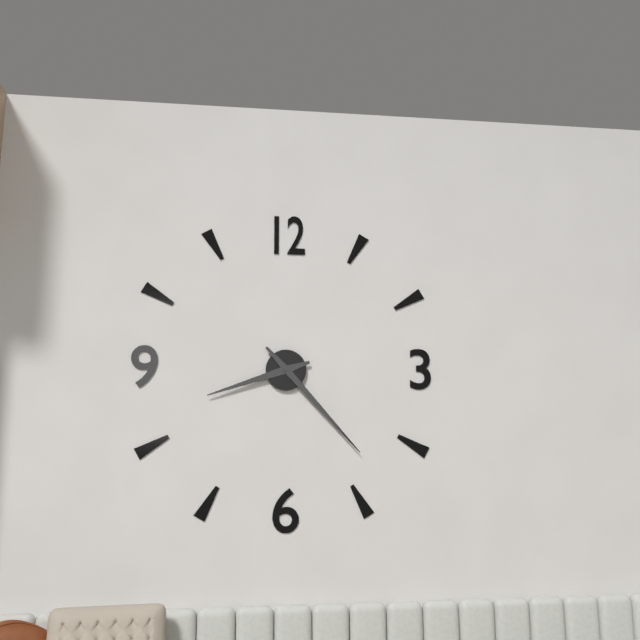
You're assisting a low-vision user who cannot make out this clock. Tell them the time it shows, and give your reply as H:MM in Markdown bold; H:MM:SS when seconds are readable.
**8:23**
